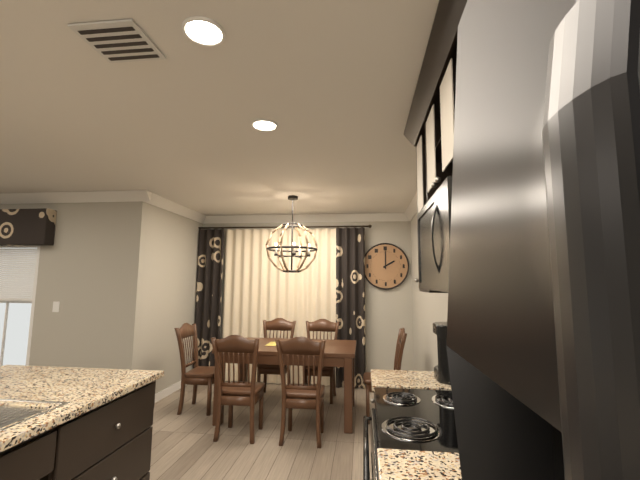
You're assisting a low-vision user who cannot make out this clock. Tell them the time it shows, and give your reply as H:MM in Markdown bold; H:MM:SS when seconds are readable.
**2:00**
